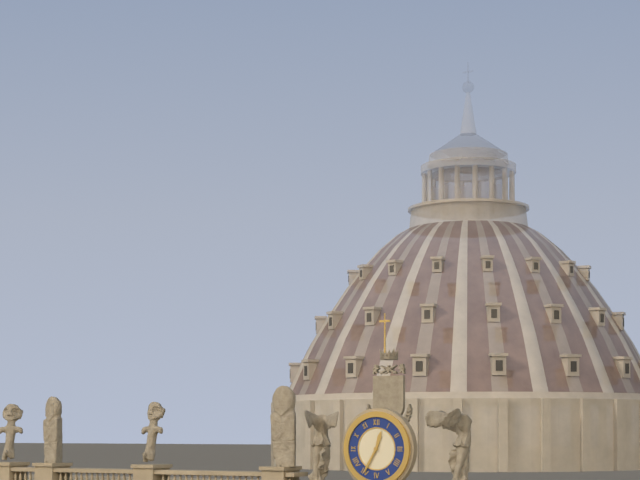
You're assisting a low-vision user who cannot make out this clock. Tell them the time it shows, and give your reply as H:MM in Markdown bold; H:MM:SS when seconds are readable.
**12:35**
